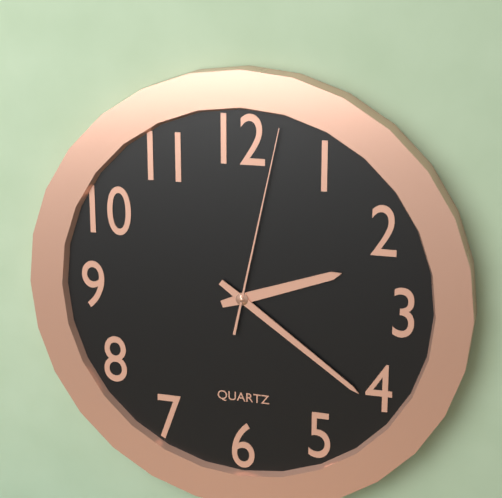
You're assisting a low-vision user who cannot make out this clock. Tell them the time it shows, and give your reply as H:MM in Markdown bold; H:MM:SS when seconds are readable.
**2:21:02**
